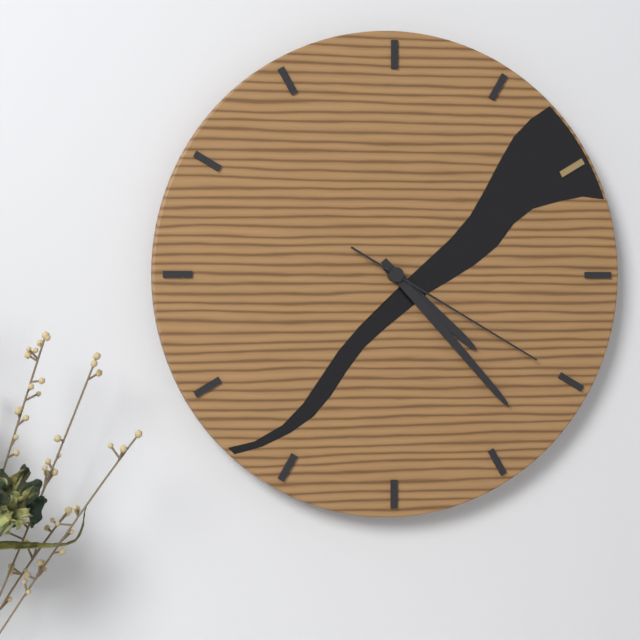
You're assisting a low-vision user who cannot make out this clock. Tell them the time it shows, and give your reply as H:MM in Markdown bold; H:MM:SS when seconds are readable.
**4:23:20**
